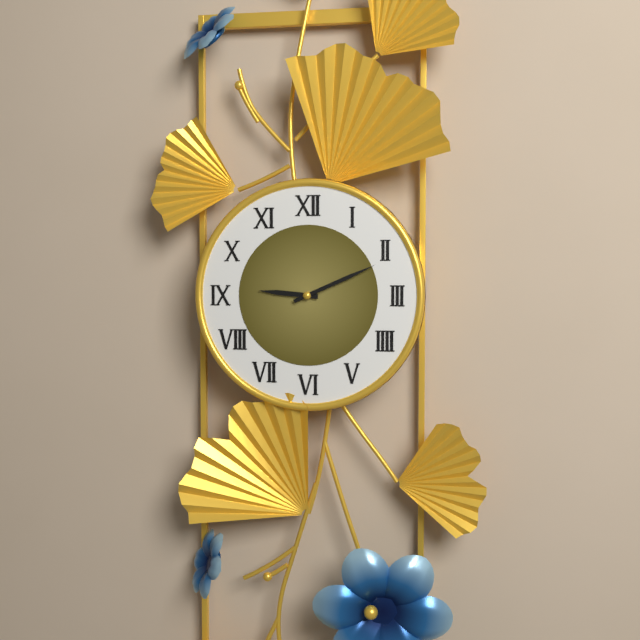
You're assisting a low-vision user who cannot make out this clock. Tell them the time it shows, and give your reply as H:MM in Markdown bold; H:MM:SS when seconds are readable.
**9:11**
